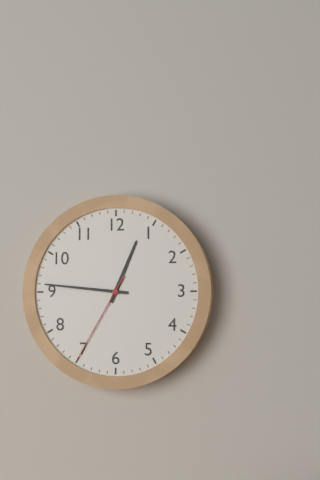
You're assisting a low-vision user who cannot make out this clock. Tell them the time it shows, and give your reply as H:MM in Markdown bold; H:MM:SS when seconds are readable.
**12:46:35**
